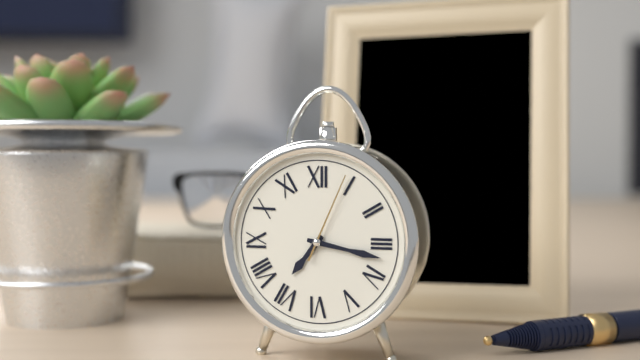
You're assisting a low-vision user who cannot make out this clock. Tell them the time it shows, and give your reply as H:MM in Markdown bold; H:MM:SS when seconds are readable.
**7:17:04**
